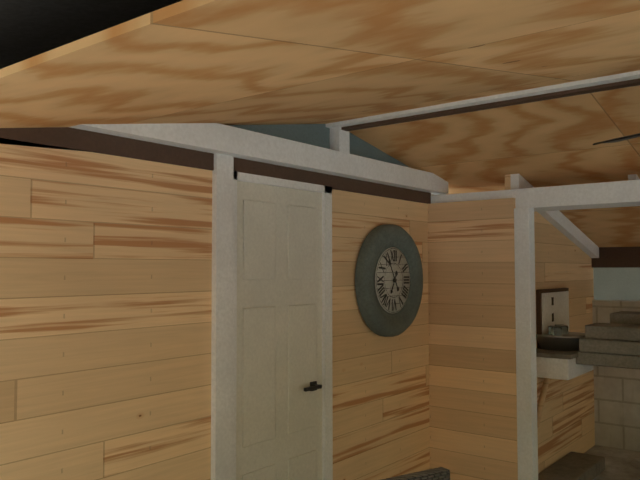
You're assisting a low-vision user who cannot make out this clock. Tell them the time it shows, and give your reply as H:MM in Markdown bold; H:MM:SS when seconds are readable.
**6:55**
